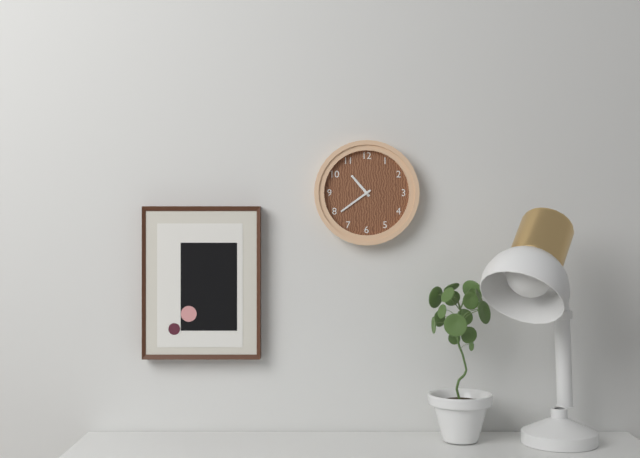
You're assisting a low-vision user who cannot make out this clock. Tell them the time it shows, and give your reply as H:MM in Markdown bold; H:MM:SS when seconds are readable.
**10:39**
